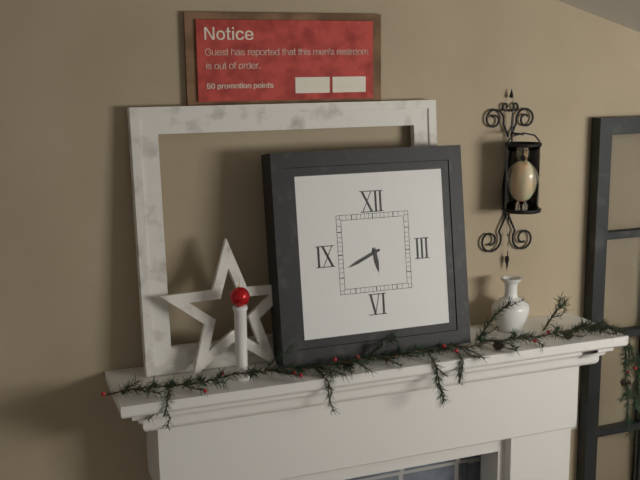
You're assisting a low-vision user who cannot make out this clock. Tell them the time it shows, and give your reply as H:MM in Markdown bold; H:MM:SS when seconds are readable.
**5:41**
